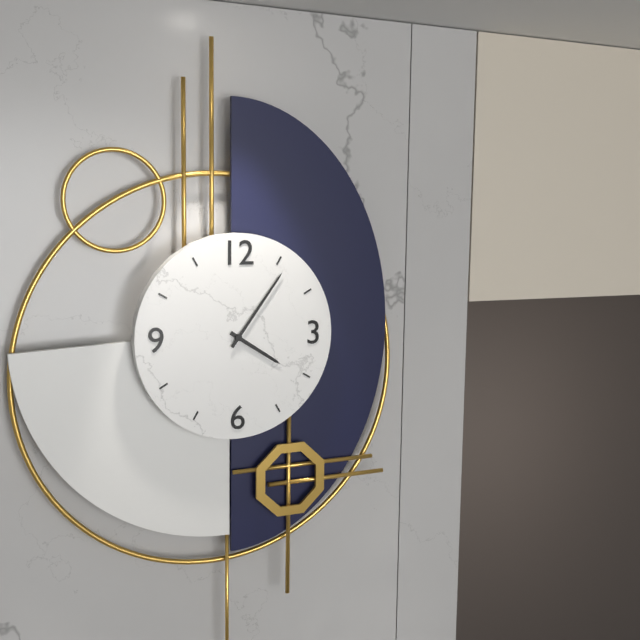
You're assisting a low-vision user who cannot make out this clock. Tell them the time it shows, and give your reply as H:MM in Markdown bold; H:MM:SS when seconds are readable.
**4:06**
